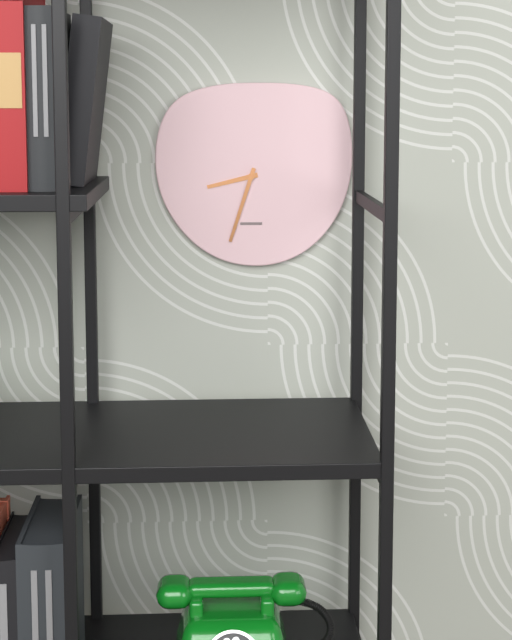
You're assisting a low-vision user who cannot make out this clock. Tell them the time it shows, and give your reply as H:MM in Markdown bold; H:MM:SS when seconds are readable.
**8:33**
